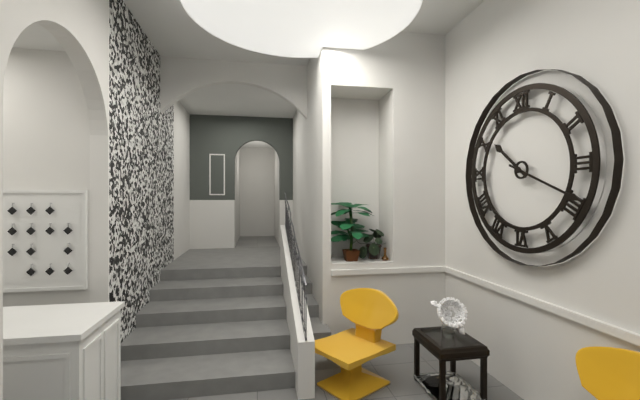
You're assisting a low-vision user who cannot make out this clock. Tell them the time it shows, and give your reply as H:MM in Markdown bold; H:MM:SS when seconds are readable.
**10:19**
